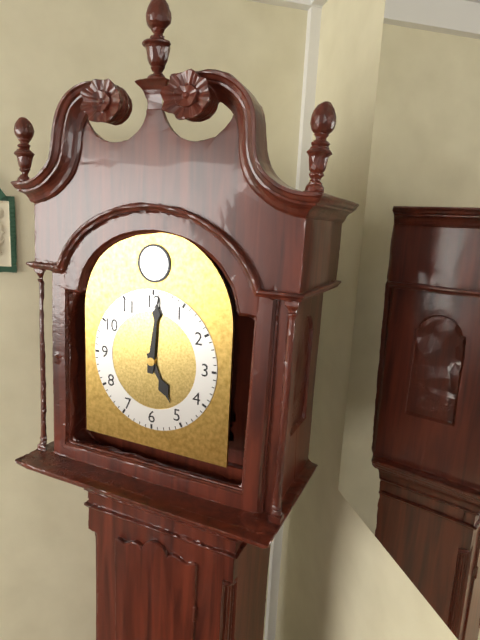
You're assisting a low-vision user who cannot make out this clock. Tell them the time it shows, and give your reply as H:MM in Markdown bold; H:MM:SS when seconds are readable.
**5:01**
